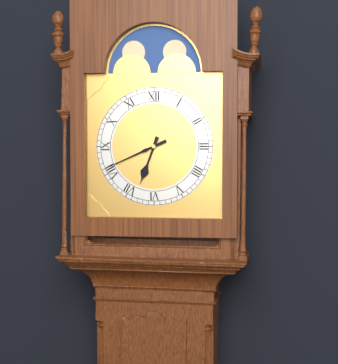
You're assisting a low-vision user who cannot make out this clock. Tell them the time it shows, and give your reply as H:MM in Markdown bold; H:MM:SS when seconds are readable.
**6:41**
